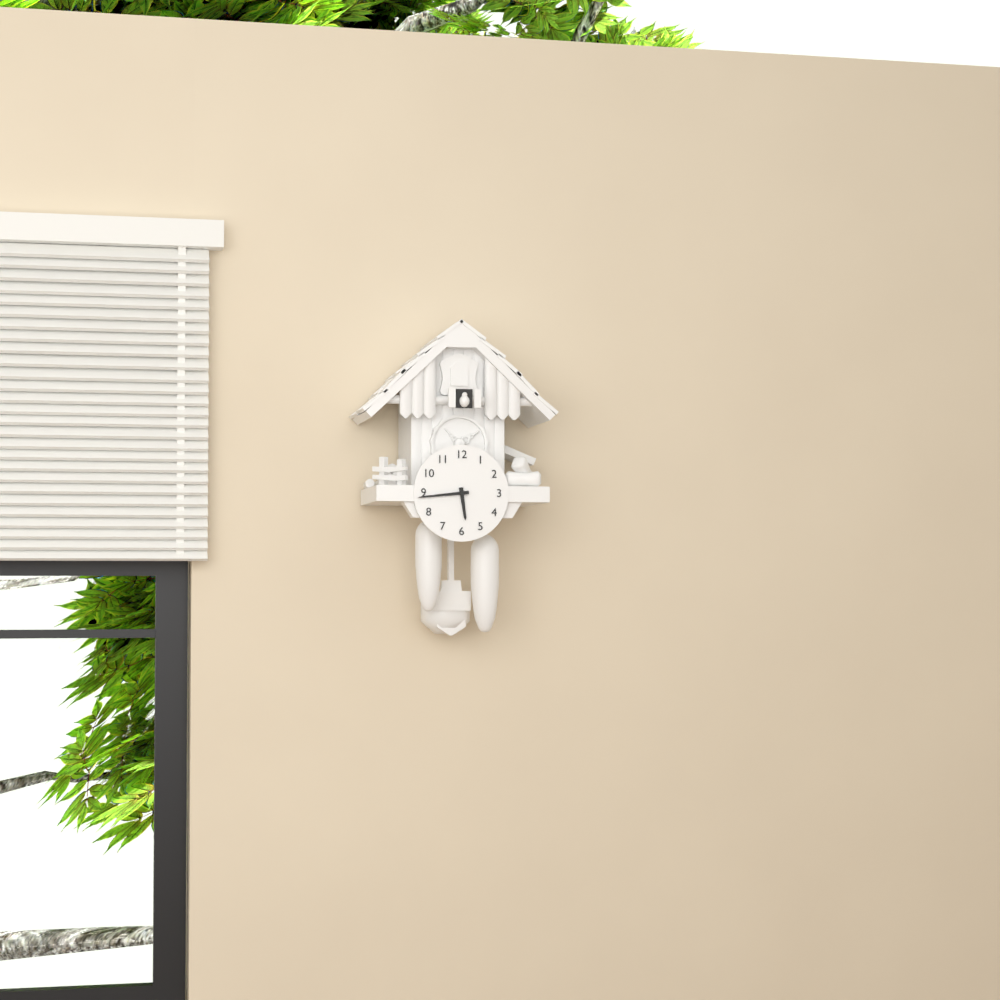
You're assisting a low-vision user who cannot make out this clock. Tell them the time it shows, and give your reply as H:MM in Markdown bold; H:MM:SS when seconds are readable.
**5:44**
